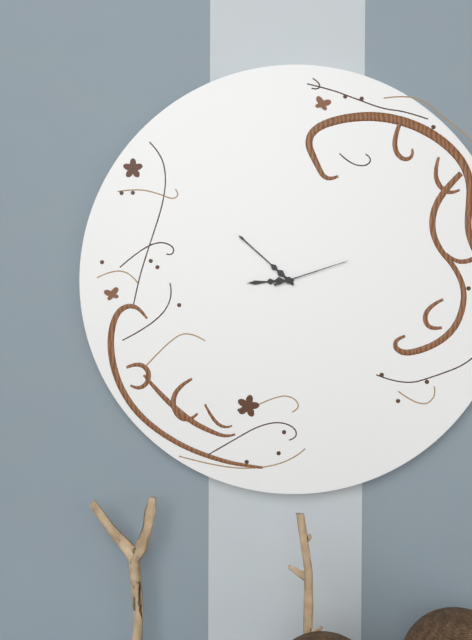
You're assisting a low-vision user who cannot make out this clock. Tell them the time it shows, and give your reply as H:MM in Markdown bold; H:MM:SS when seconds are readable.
**8:52:12**
